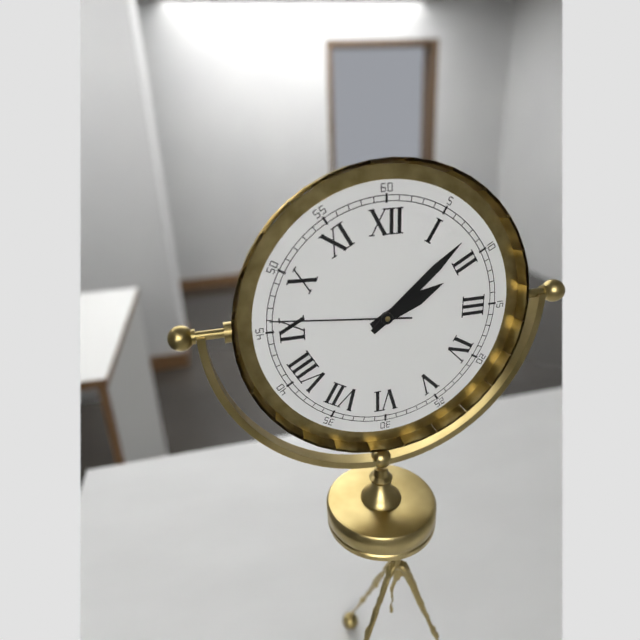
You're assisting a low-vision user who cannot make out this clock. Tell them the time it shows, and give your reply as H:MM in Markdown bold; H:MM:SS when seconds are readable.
**2:08:46**
